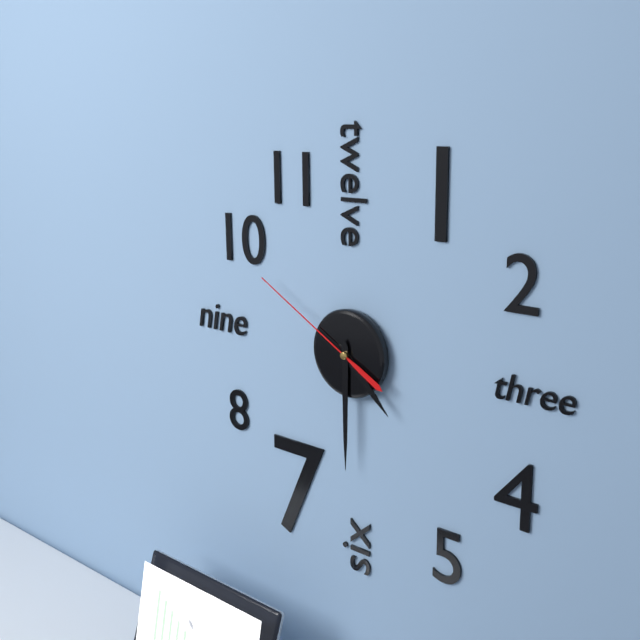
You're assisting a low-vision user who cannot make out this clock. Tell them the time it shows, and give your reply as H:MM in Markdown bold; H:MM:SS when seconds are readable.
**4:30:50**
